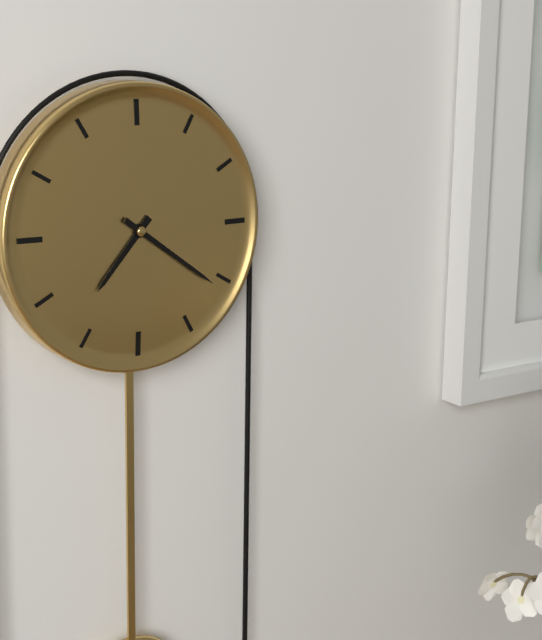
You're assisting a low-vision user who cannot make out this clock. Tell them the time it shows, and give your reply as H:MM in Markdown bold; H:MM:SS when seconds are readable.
**7:21**
